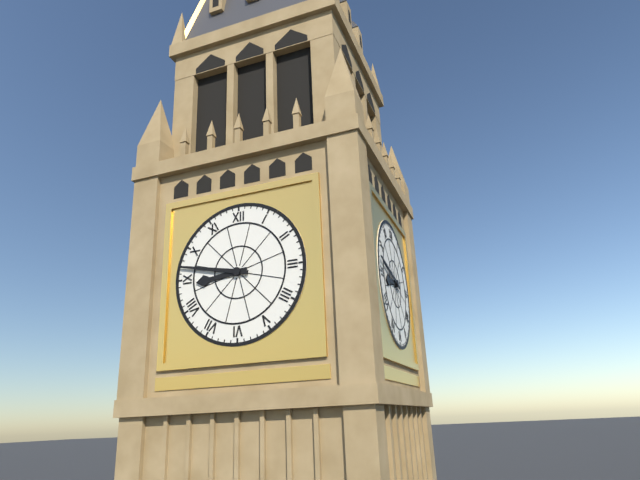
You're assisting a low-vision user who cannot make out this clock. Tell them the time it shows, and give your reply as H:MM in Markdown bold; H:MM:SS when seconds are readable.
**8:47**
